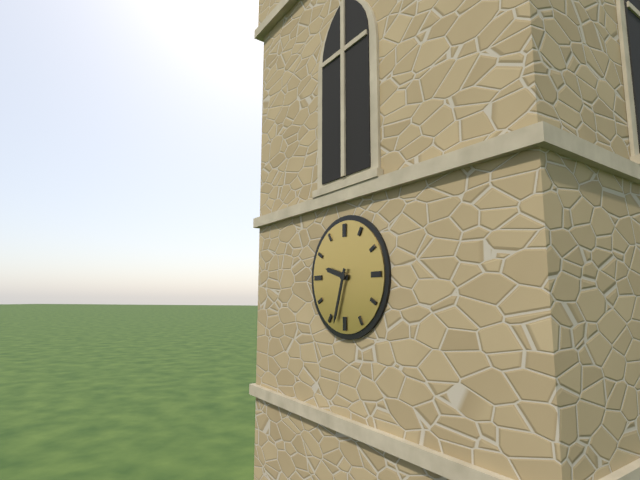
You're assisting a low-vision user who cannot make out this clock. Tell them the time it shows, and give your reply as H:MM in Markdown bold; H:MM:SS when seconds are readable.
**9:33**
